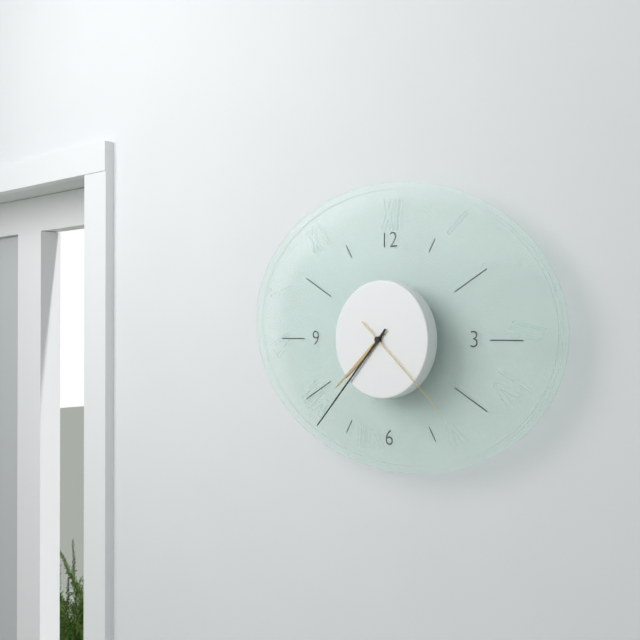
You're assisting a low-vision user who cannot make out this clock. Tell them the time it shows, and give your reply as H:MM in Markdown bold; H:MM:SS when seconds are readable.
**7:37:22**
